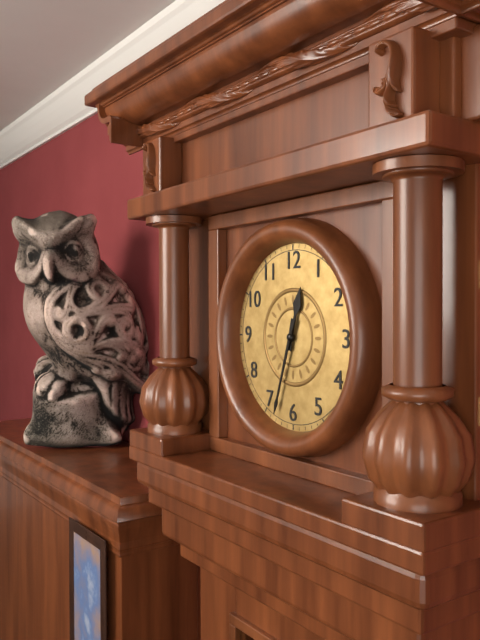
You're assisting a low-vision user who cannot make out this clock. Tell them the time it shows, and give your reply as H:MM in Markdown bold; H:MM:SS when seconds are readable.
**12:33**
